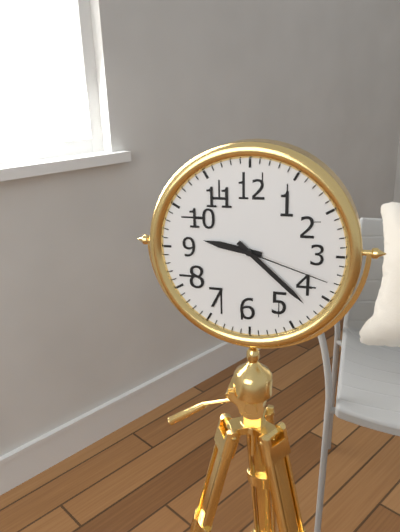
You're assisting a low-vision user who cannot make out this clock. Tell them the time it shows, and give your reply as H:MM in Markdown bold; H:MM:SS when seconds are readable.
**9:22:18**
